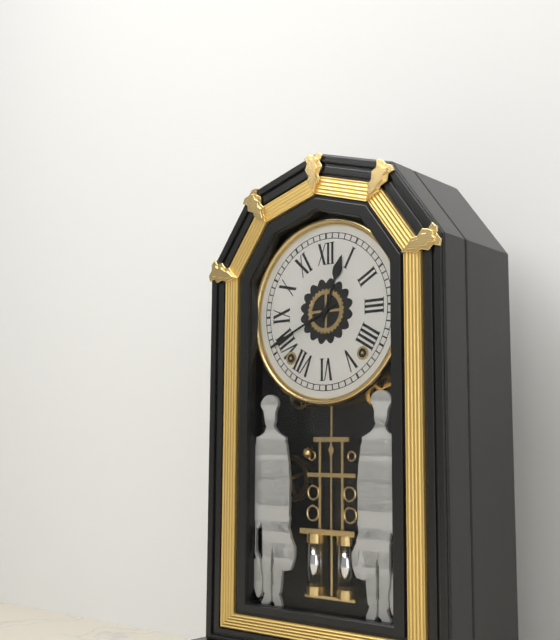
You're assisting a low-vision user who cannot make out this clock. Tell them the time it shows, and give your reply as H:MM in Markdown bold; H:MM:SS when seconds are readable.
**12:41**
